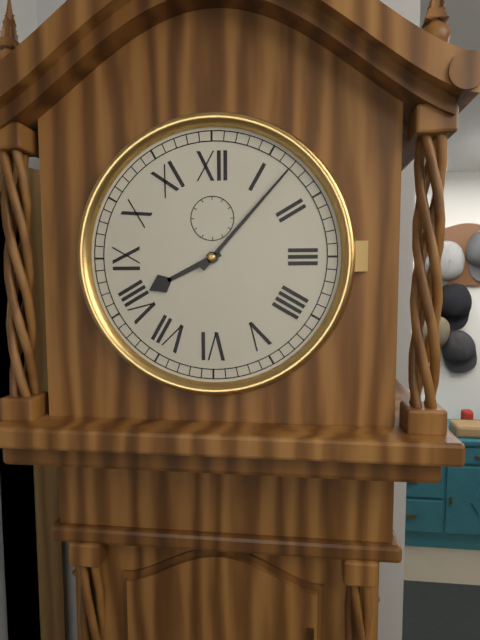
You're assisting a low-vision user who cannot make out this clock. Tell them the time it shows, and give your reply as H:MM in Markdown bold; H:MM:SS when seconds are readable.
**8:07**
